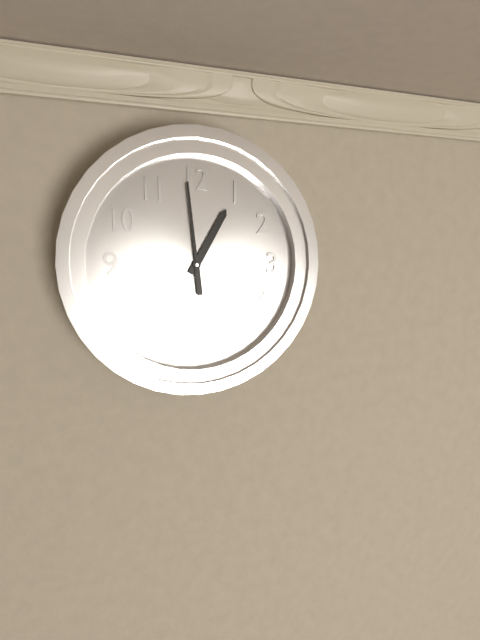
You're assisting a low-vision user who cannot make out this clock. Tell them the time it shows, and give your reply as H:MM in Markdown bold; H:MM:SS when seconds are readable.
**12:59**
